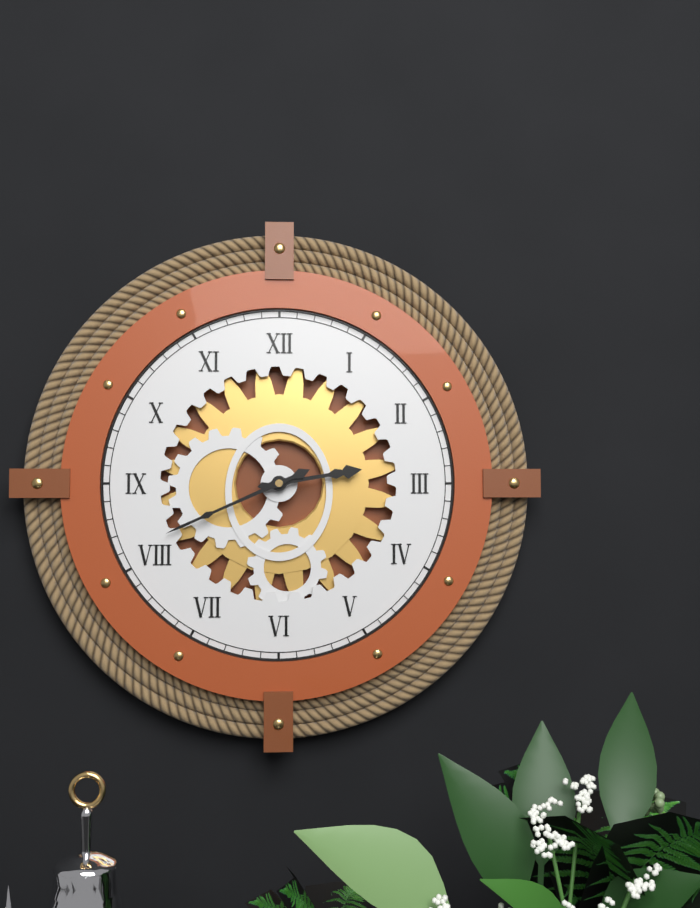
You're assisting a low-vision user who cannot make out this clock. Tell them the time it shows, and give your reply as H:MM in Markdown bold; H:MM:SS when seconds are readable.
**2:41**
